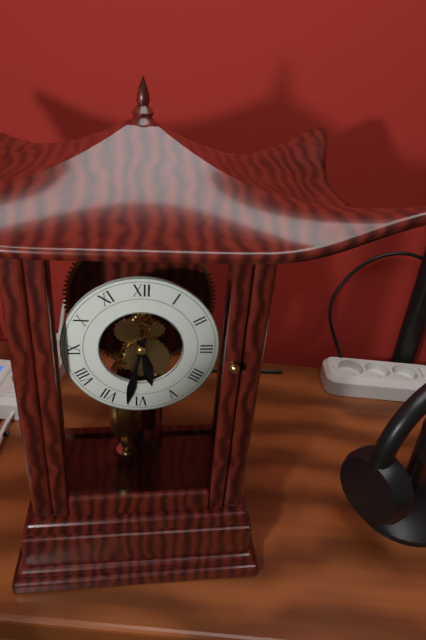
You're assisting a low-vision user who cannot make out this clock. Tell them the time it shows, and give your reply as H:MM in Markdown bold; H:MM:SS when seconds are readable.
**5:32**
